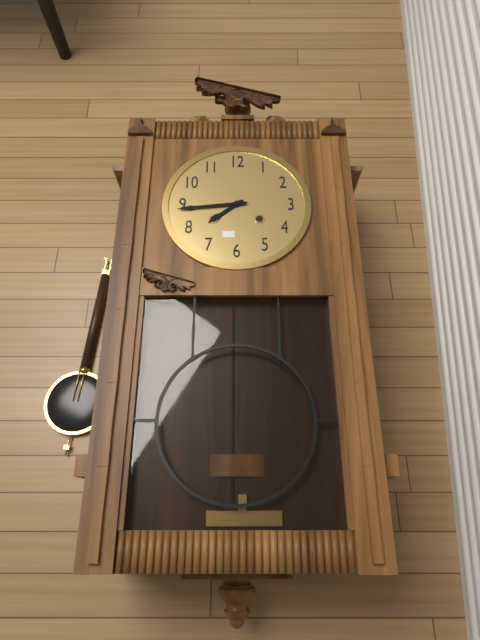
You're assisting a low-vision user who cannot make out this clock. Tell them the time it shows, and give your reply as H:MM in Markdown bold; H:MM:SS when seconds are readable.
**7:44**
